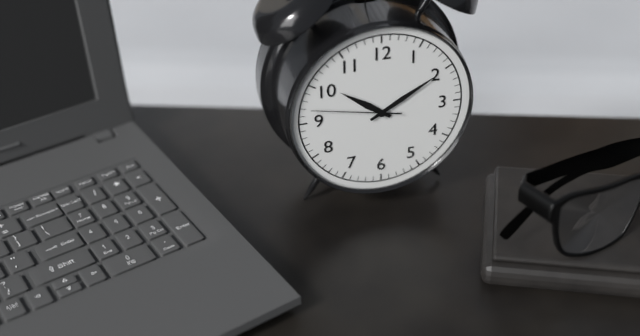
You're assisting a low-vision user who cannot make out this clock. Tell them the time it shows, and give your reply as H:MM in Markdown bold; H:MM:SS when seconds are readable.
**10:10:47**
